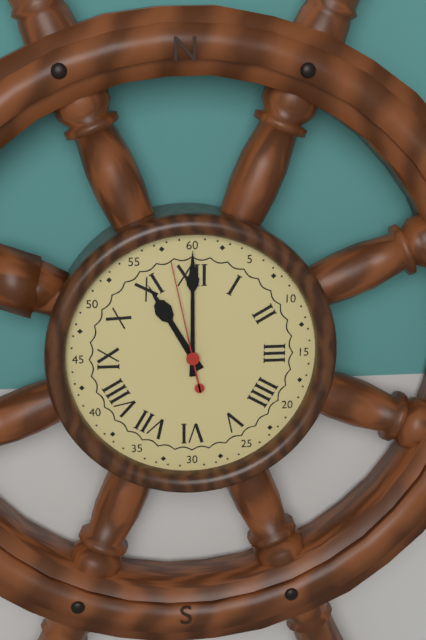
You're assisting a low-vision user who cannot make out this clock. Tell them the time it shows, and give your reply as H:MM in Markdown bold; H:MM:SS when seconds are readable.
**11:00:58**
